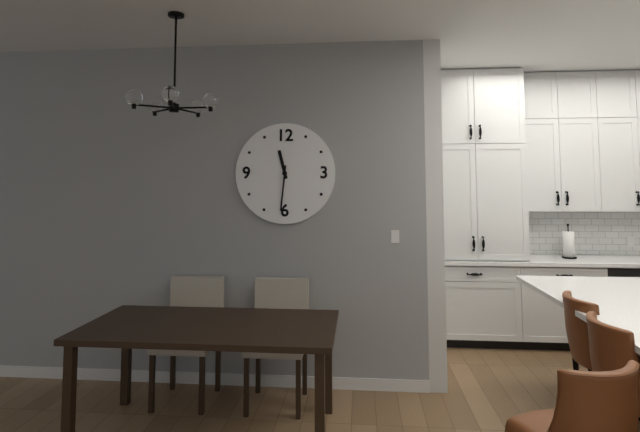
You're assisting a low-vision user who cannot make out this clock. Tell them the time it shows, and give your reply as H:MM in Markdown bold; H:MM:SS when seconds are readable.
**11:31**
